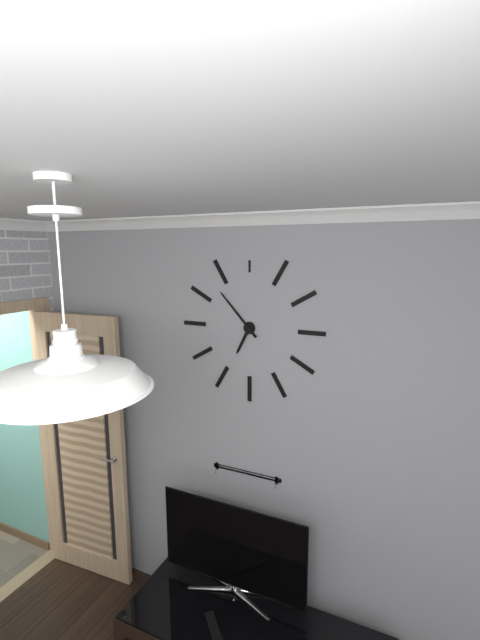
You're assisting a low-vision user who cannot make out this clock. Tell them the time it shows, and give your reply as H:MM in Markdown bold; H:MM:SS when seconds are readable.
**6:53**
